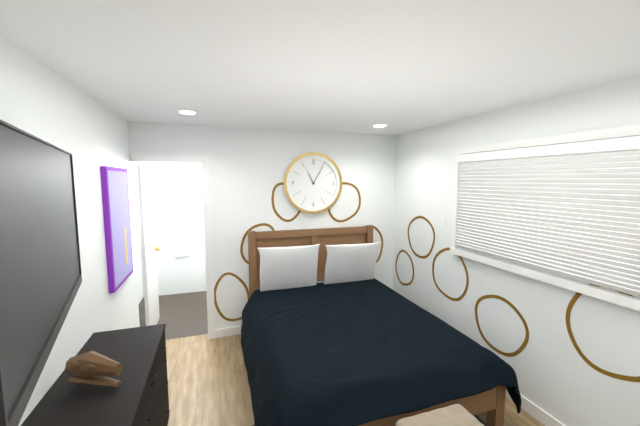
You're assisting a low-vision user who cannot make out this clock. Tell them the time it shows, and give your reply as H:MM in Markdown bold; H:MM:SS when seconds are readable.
**11:05**
